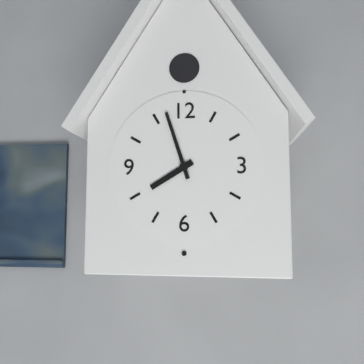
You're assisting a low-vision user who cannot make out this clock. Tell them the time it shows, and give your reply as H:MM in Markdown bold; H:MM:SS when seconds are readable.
**7:57**
